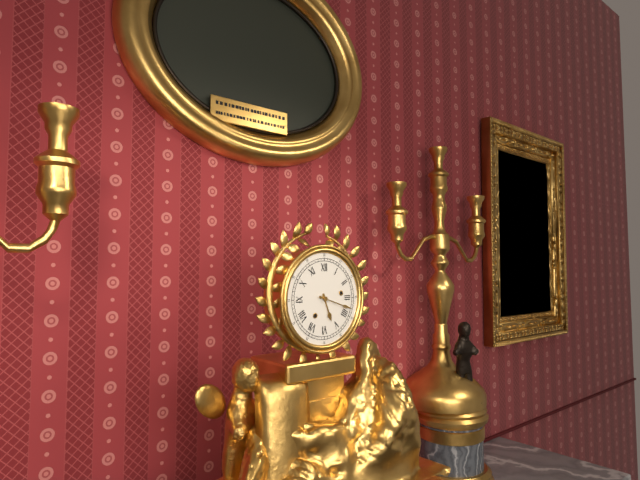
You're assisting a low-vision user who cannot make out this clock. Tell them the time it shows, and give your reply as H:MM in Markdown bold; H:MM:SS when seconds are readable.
**5:18**
